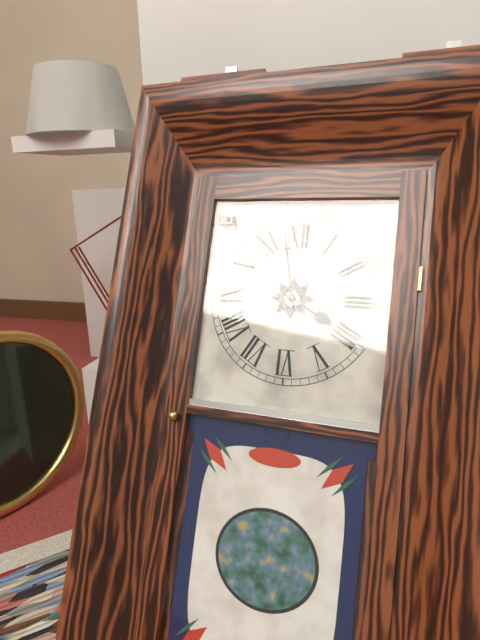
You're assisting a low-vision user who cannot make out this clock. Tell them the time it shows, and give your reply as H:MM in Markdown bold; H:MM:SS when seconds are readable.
**3:58**
